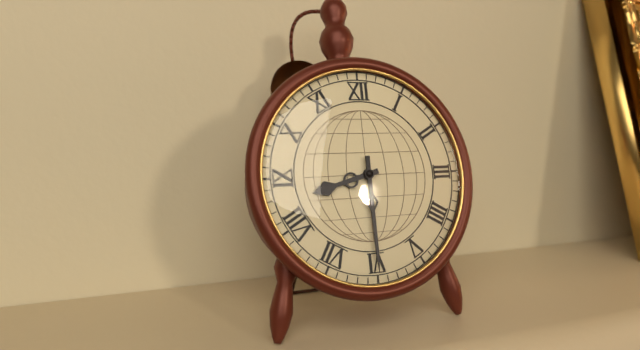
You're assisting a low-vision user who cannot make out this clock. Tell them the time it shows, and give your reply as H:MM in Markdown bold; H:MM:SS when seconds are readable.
**8:30**
